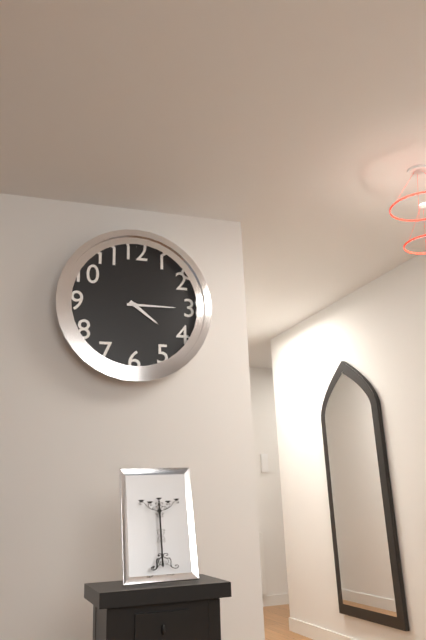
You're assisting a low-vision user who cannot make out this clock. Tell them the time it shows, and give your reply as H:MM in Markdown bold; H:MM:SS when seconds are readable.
**4:15**
